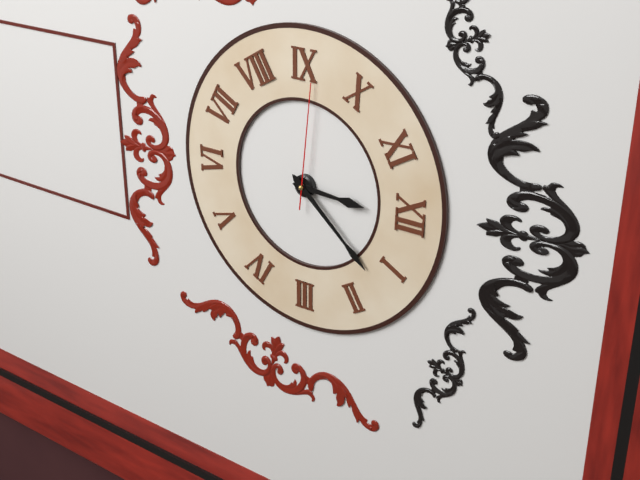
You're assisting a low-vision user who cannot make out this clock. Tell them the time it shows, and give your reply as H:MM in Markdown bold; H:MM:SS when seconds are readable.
**12:07:46**
